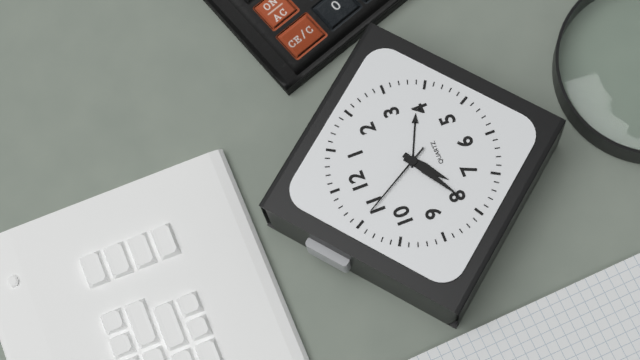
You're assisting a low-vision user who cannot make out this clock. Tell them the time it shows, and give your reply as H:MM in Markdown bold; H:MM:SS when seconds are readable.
**7:40:55**
